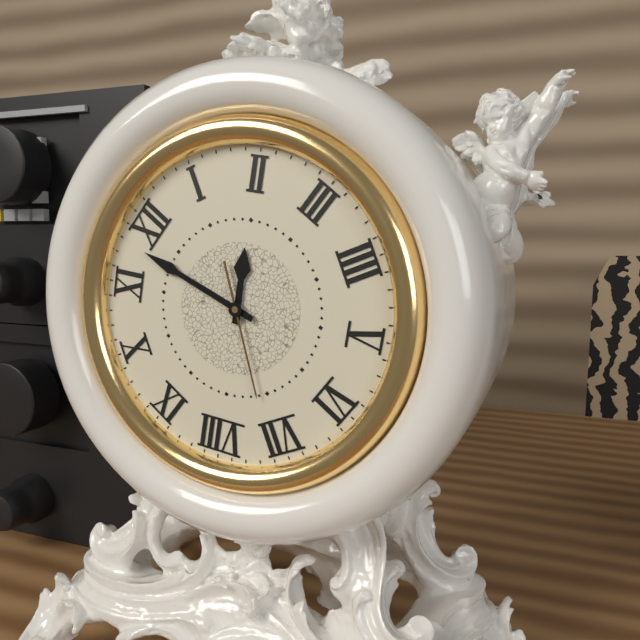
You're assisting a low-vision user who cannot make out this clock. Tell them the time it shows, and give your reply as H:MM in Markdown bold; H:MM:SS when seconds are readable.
**1:58:36**
